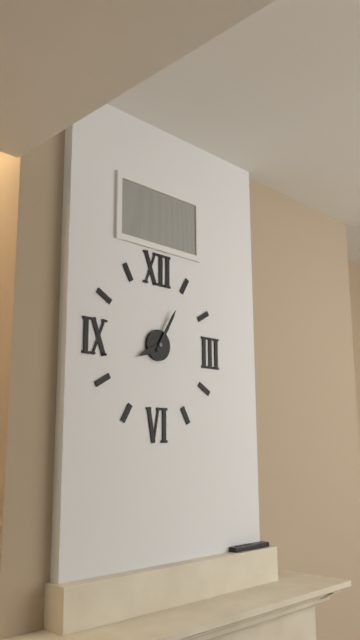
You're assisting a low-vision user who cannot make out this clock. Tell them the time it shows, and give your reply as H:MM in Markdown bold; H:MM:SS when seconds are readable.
**8:05**
